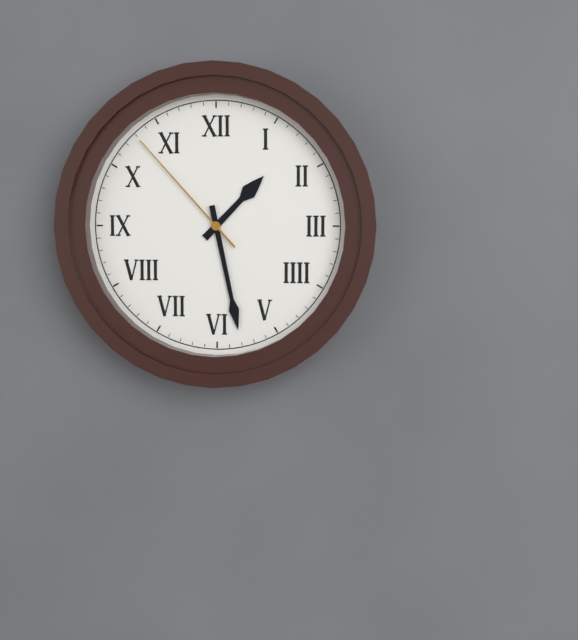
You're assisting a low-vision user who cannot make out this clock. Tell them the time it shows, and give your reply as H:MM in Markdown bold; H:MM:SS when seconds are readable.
**1:28:53**
